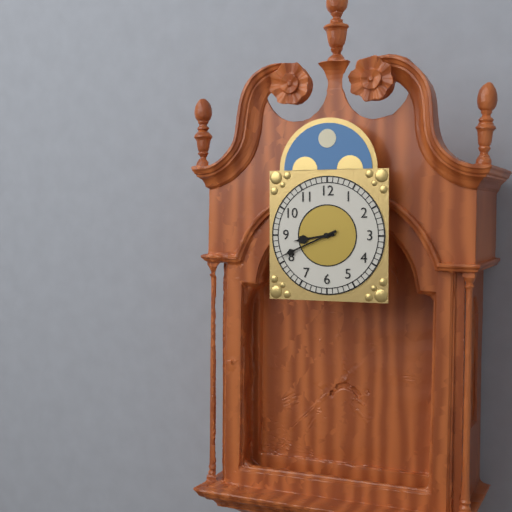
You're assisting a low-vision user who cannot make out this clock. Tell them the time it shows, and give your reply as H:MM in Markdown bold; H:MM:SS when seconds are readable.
**8:41**
